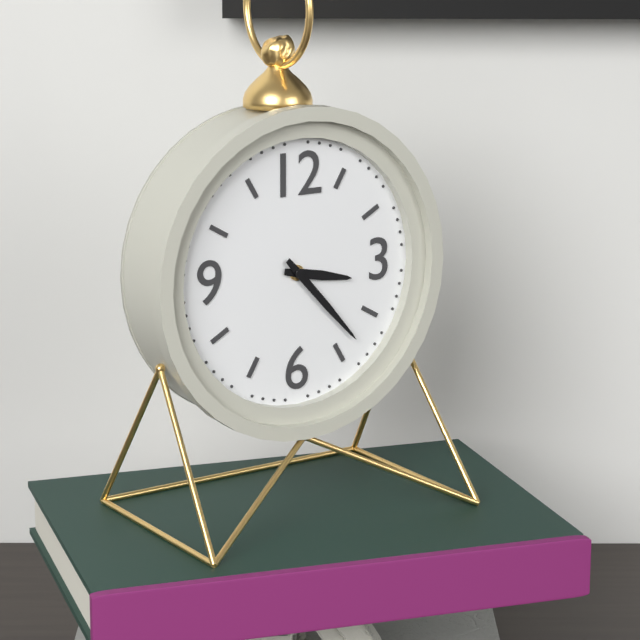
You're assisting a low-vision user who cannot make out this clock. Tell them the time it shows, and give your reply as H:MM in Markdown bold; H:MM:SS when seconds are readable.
**3:23**
